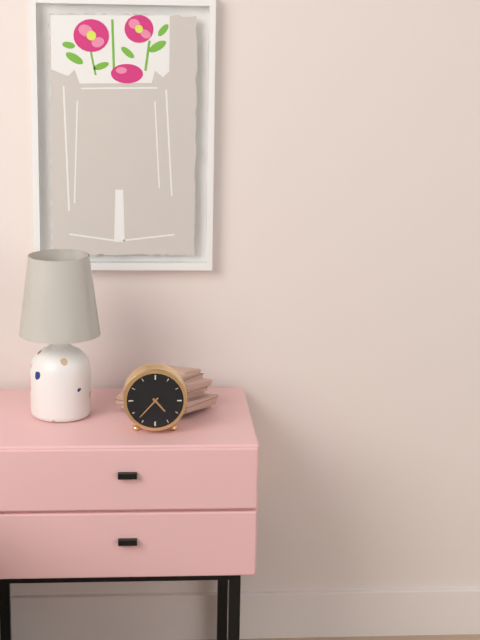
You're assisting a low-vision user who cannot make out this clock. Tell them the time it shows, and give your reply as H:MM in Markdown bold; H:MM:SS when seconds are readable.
**4:37**
